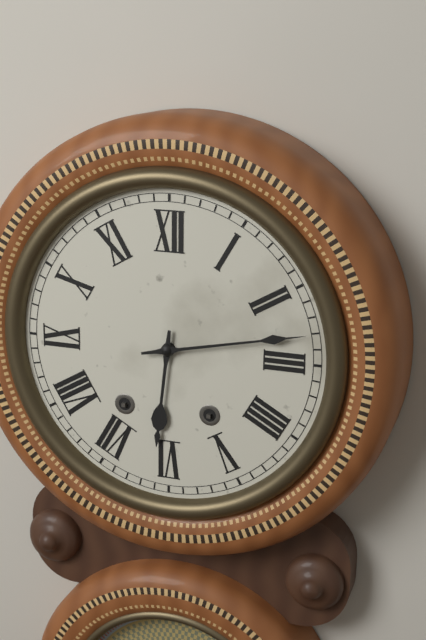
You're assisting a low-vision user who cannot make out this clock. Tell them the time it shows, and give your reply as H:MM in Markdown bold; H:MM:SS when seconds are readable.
**6:13**
